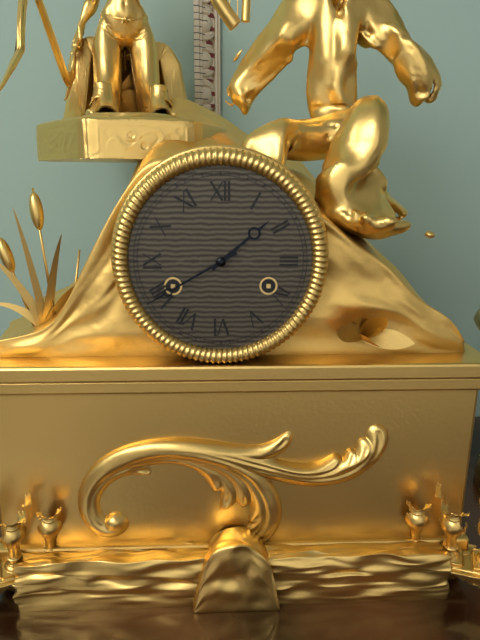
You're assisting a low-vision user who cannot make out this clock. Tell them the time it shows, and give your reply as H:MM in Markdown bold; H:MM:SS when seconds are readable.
**1:40**
